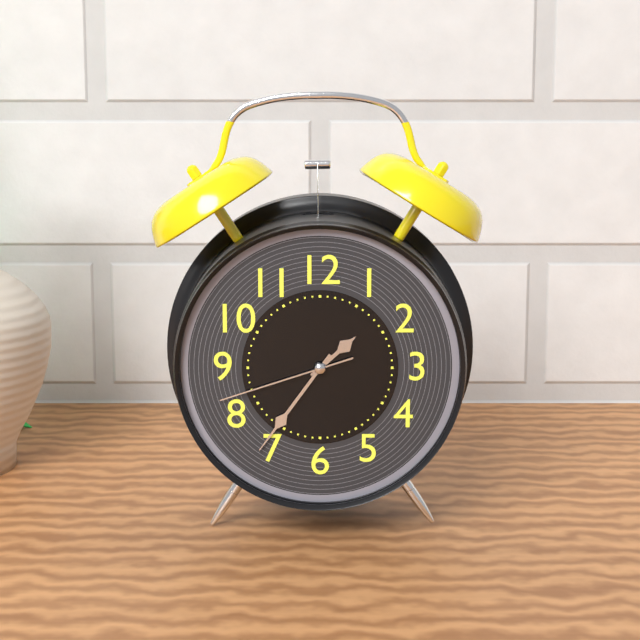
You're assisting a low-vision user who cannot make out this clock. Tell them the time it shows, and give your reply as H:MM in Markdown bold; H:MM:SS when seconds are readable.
**1:36:42**
